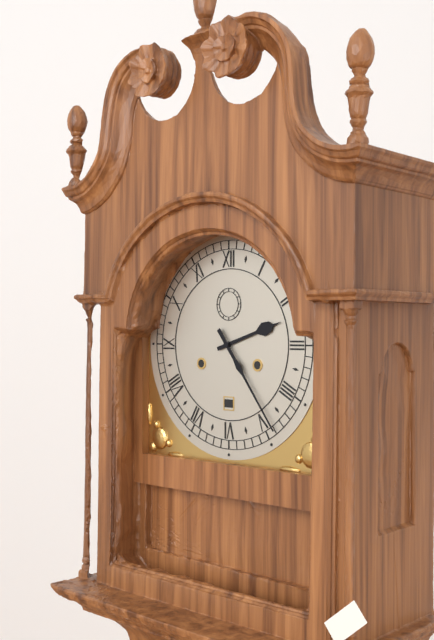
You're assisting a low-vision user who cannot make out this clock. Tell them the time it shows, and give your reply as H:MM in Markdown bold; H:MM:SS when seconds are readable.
**2:24**
